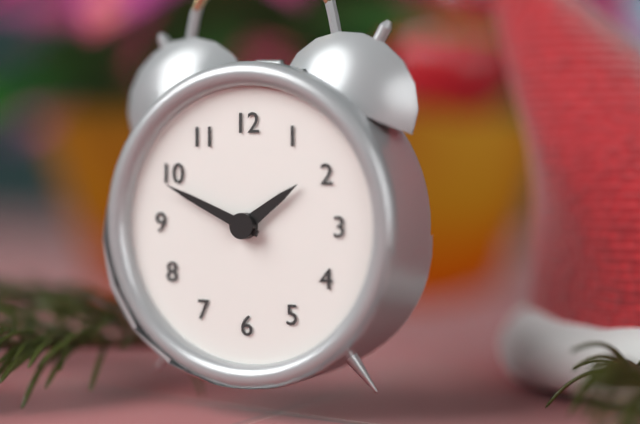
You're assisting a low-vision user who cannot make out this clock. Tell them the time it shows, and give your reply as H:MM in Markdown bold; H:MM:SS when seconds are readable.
**1:49**
